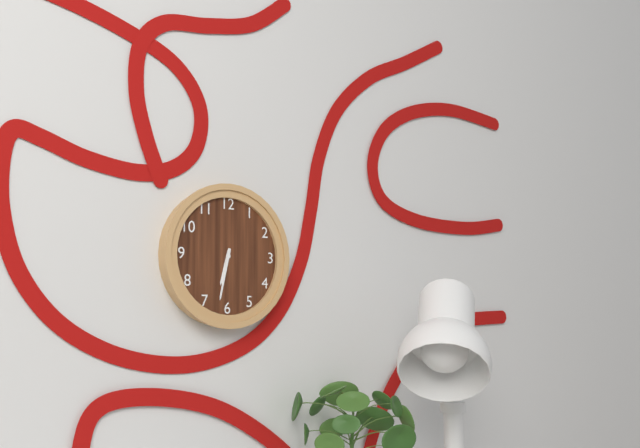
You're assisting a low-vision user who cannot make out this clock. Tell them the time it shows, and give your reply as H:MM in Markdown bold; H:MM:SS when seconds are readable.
**6:32**
